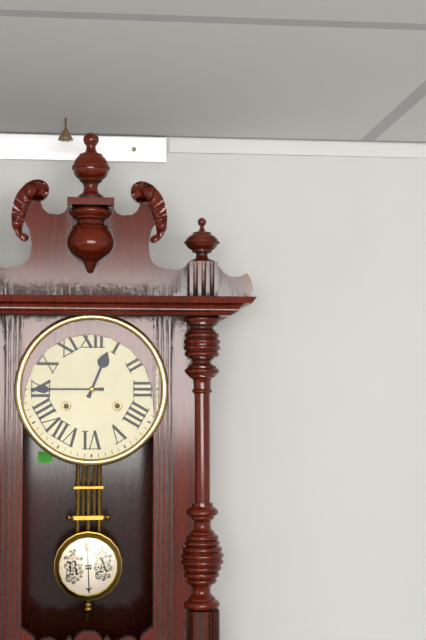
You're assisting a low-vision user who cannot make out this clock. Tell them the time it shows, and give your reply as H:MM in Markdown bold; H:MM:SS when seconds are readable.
**12:45**
